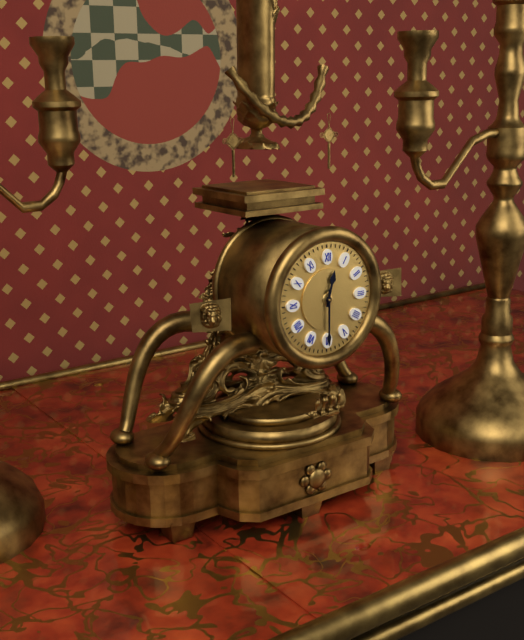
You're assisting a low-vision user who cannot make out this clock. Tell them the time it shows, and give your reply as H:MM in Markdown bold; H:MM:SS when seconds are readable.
**12:30**
